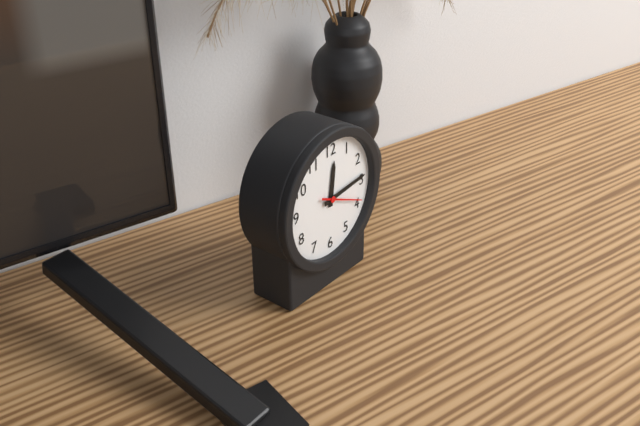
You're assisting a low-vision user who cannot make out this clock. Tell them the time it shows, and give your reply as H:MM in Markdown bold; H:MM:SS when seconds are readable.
**12:14**
